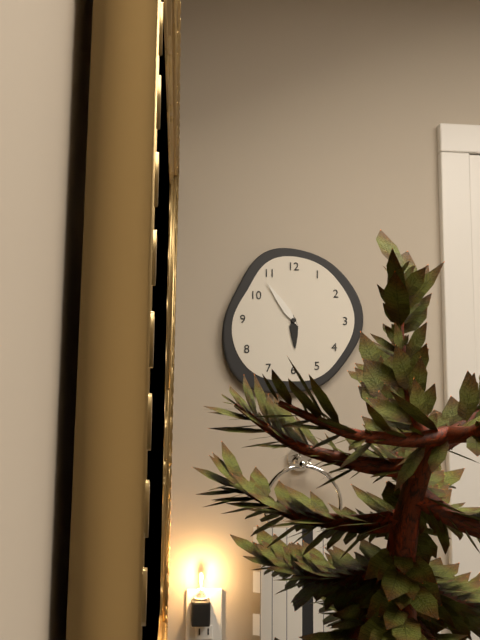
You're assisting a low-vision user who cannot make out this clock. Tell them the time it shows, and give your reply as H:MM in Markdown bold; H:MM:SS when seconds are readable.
**5:54**
